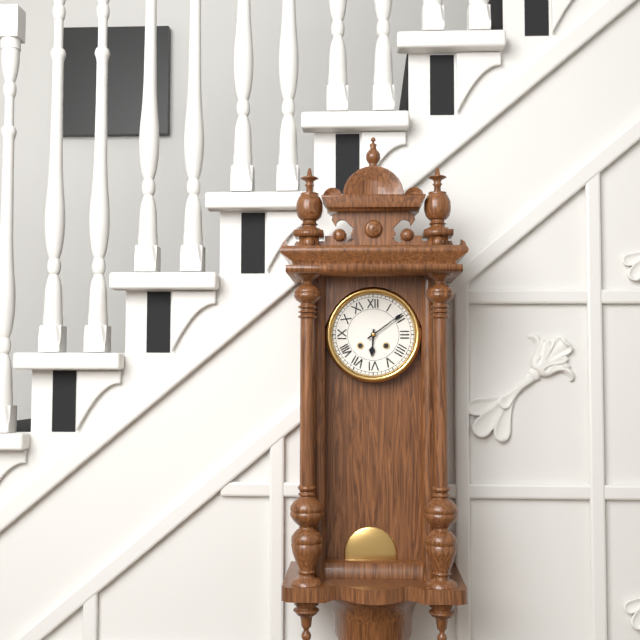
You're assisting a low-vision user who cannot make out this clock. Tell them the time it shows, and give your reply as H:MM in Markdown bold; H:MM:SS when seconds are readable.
**6:09**
